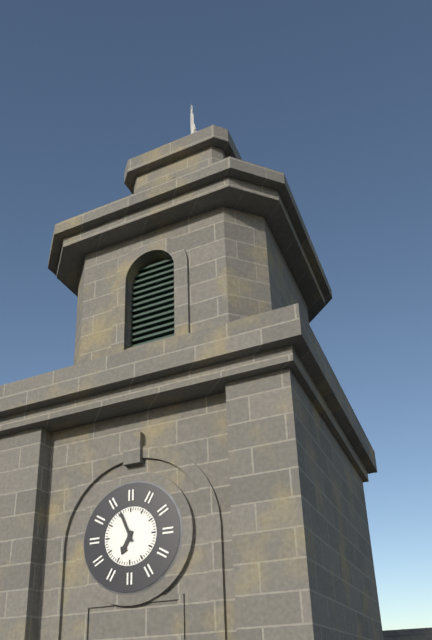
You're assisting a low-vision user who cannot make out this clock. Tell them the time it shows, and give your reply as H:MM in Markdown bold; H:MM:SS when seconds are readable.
**6:56**
